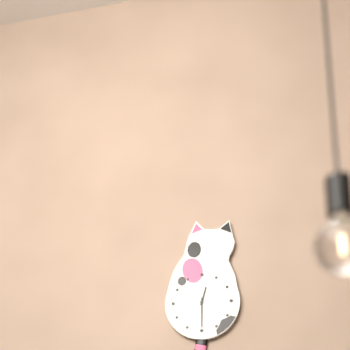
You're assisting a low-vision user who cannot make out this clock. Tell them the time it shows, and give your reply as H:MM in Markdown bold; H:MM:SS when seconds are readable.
**12:30**
